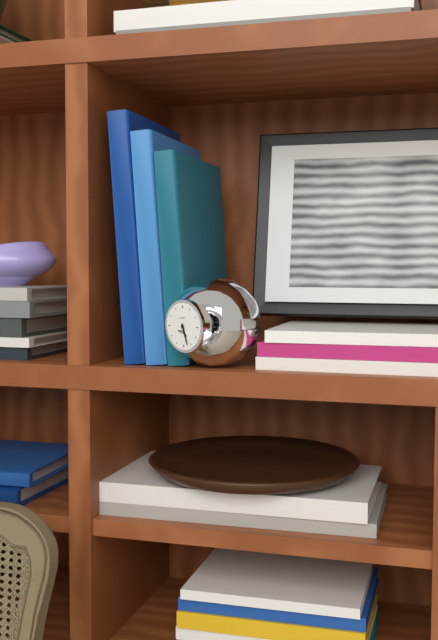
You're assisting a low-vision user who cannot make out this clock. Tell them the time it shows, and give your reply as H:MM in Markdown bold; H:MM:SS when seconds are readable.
**5:27**
